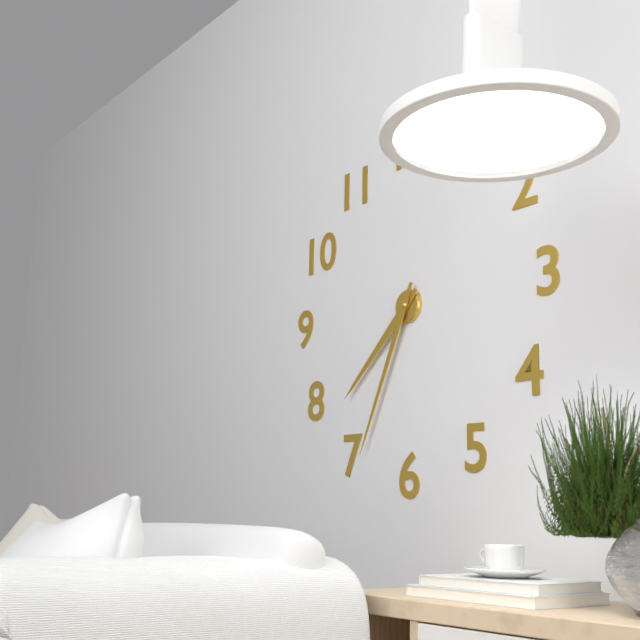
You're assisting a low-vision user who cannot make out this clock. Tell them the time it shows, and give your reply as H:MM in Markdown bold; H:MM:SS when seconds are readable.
**7:34**
